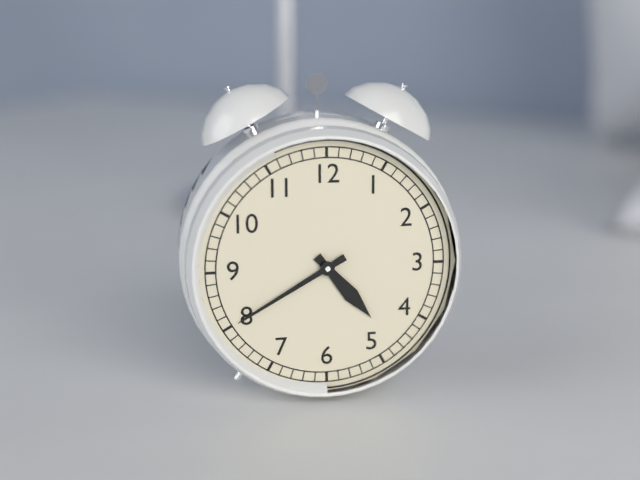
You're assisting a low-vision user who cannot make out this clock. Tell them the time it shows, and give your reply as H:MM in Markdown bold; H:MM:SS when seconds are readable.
**4:40**
